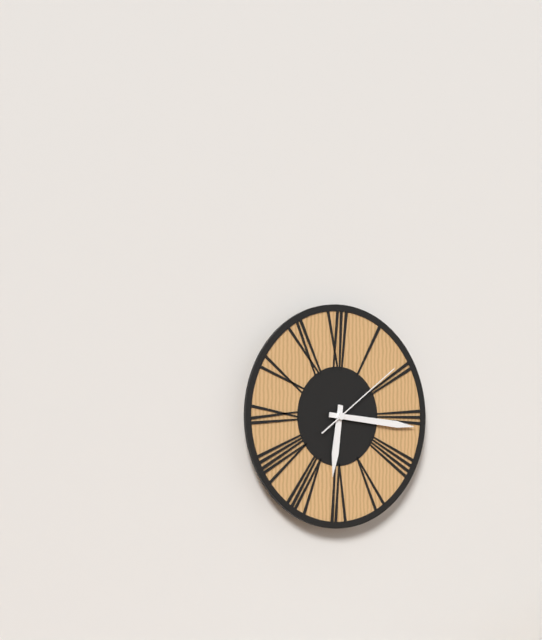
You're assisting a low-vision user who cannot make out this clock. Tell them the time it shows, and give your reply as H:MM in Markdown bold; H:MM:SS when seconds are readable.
**6:16:09**
